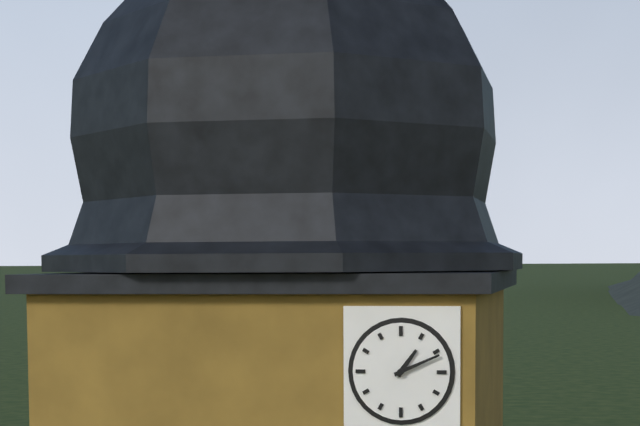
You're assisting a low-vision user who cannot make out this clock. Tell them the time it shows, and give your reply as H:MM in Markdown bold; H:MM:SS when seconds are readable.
**1:11**
